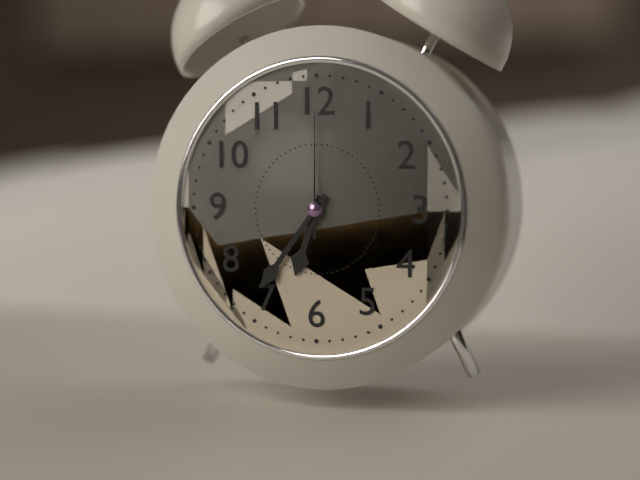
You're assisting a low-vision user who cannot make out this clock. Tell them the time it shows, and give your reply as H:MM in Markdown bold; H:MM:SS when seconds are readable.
**6:36:00**
